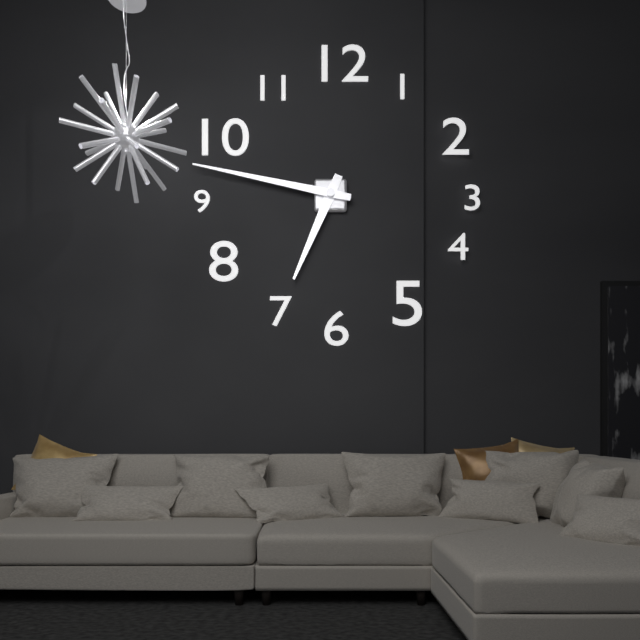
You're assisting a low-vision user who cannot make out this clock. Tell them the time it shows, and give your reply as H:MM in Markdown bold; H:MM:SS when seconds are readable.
**6:47**
